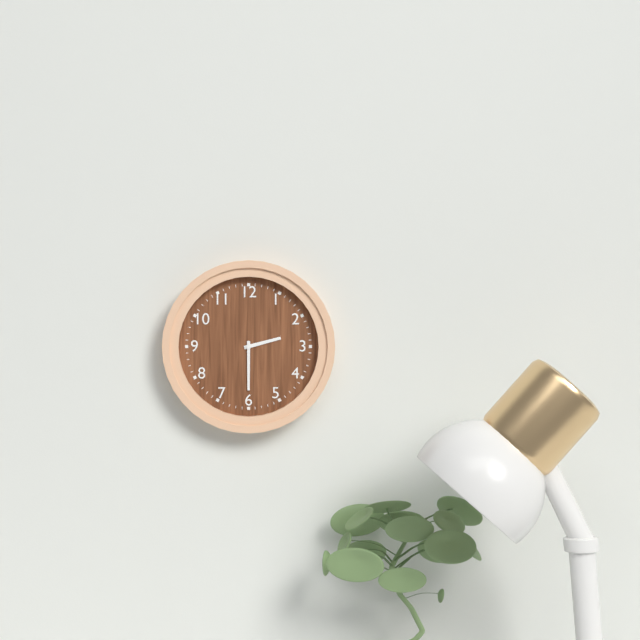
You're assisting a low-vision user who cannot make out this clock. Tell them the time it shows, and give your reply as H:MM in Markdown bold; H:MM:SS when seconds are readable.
**2:30**
